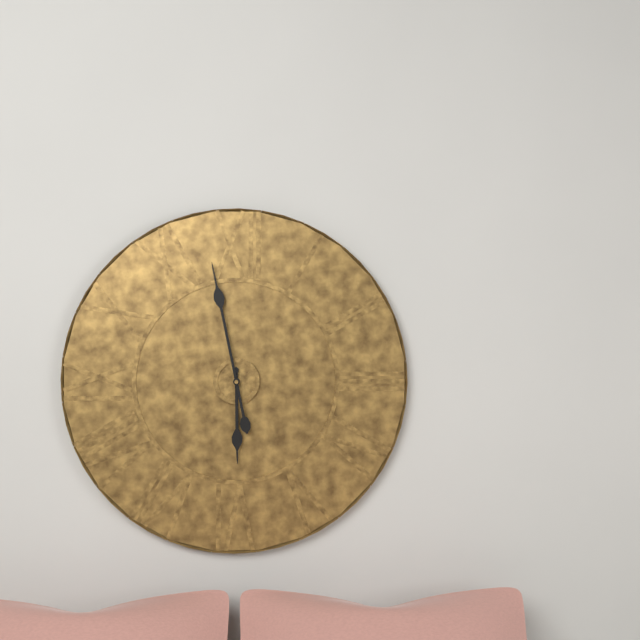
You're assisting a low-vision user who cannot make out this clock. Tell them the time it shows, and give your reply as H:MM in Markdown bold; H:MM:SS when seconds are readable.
**5:58**
